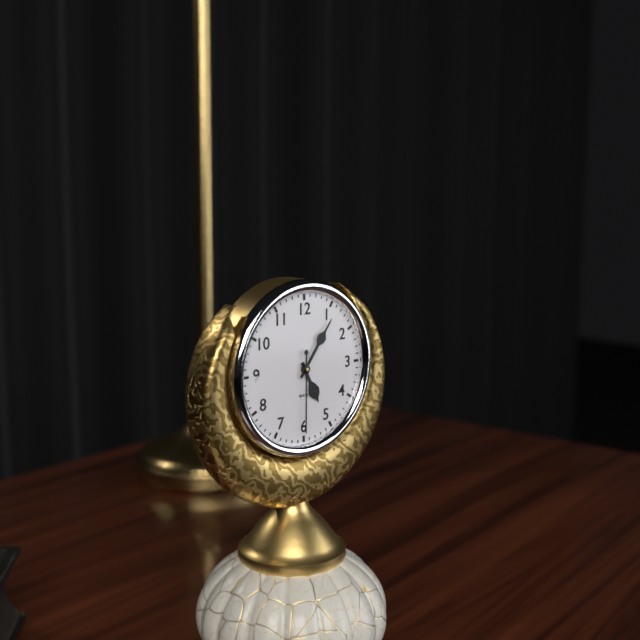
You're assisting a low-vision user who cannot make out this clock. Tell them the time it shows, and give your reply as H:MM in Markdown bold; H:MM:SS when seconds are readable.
**5:06:30**
